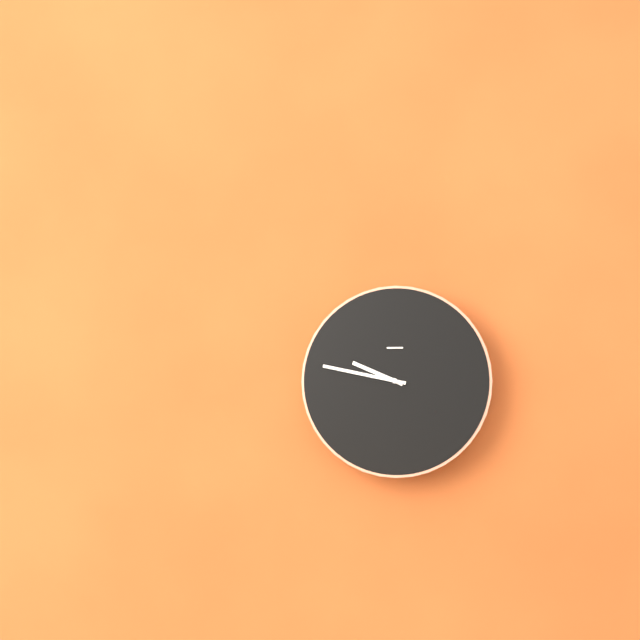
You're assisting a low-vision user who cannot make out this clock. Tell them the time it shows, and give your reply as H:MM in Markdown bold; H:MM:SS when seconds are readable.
**9:47**
